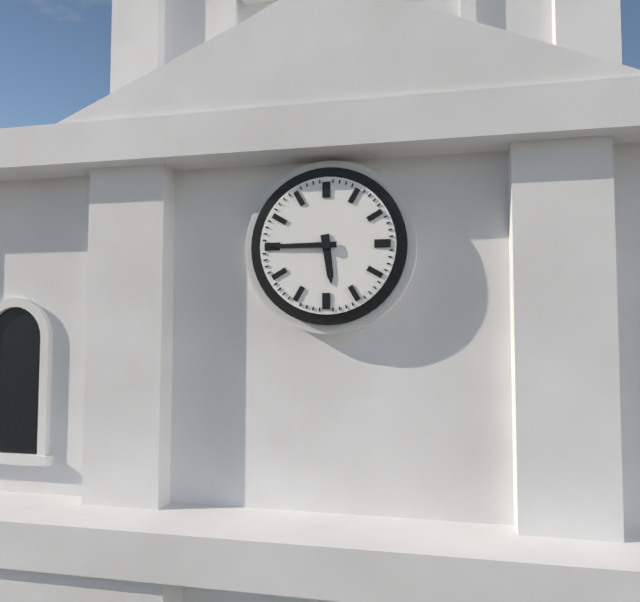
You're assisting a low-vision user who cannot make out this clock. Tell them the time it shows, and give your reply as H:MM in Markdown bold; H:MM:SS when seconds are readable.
**5:45**
